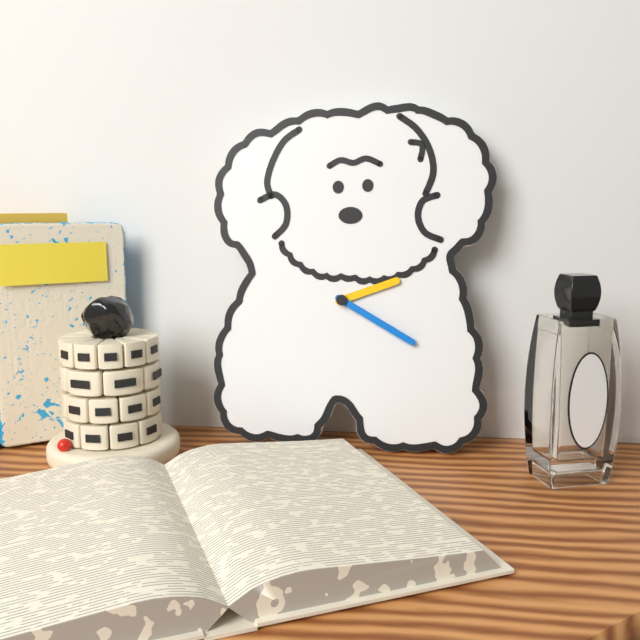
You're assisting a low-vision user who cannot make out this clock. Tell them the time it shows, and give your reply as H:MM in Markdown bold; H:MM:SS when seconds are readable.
**2:20**
